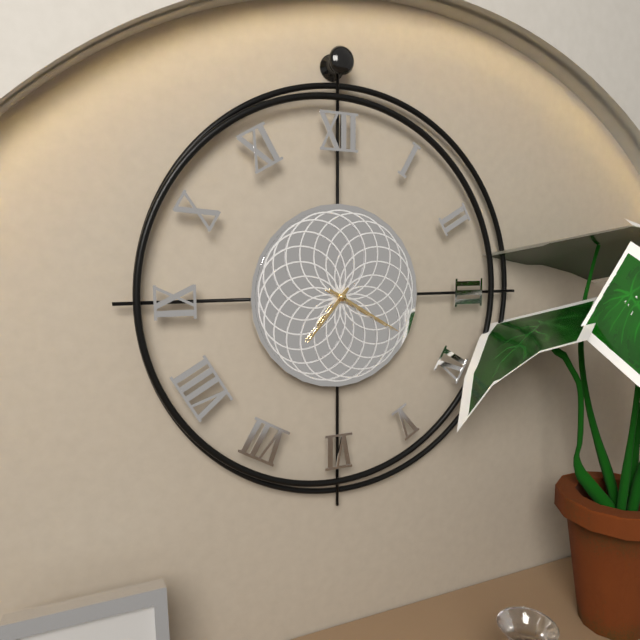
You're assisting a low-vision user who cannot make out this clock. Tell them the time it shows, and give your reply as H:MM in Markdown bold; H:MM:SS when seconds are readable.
**7:20**
